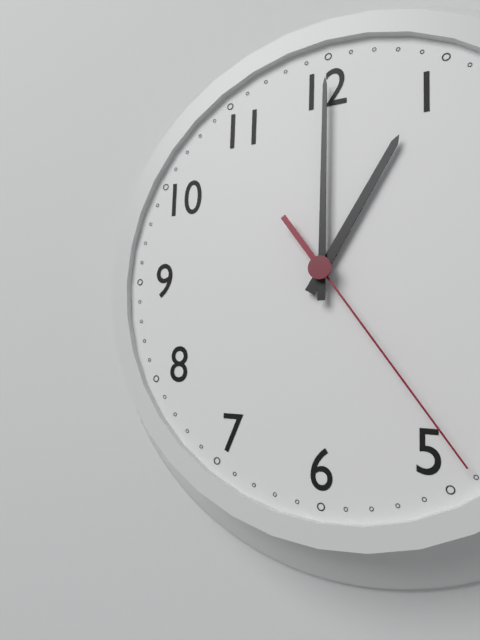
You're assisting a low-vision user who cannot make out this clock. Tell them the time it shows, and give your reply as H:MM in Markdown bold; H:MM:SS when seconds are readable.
**1:00:24**
